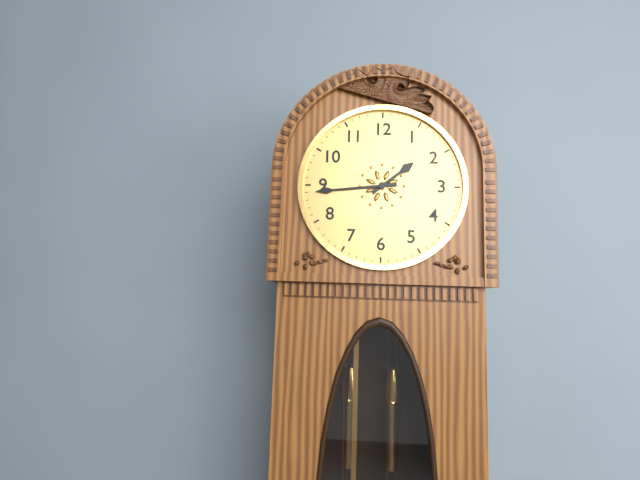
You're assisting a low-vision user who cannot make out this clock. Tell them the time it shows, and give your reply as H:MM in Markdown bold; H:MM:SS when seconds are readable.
**1:44**
